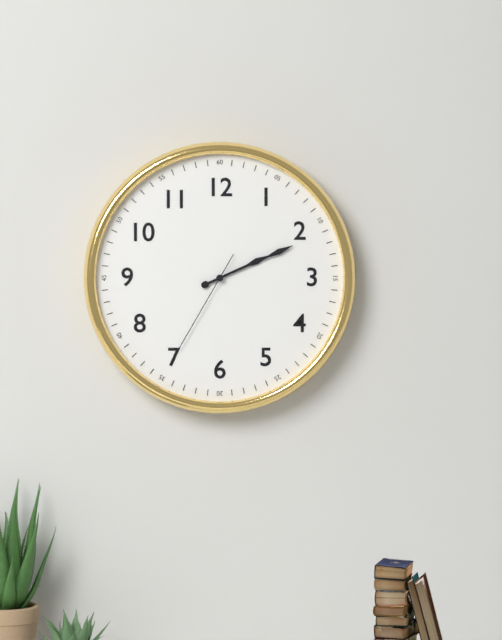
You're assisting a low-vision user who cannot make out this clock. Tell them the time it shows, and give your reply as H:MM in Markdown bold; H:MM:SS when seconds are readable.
**2:11:35**
